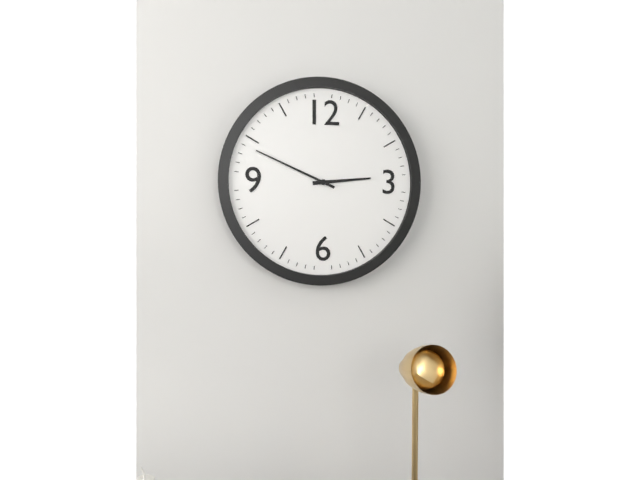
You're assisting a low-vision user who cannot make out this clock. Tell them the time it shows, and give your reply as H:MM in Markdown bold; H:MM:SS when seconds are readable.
**2:49**
